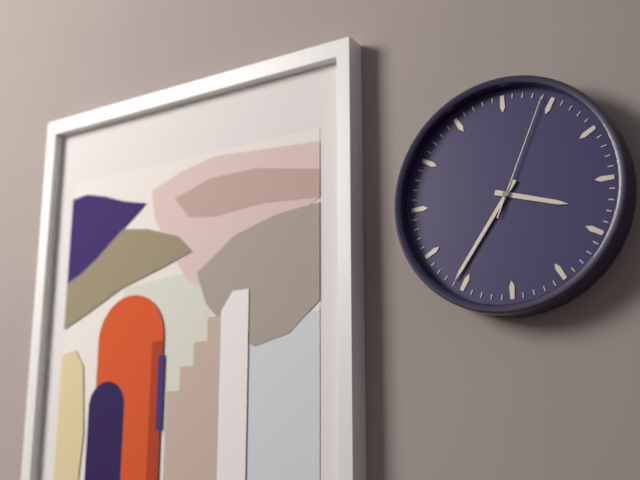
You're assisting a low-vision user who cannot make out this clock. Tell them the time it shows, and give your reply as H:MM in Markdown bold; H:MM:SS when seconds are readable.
**3:36:04**
